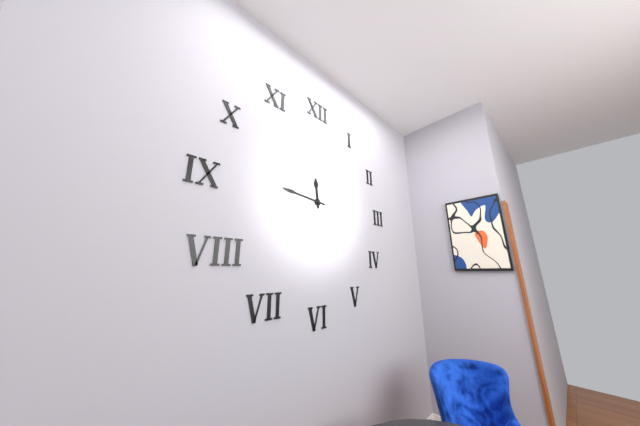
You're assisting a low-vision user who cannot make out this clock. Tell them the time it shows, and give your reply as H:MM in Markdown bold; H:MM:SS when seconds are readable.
**11:46**
